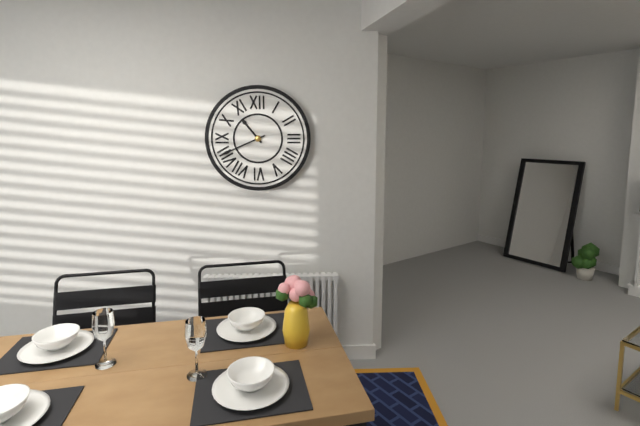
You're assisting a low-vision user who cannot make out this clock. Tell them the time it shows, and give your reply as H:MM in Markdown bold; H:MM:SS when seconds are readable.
**10:41**
